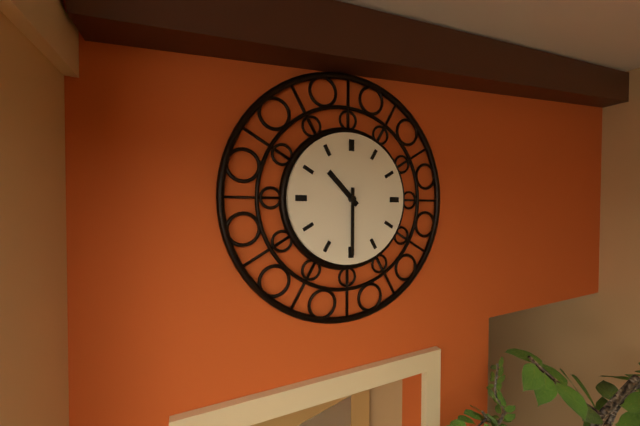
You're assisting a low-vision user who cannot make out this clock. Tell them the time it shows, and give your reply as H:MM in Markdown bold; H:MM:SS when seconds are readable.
**10:30**
